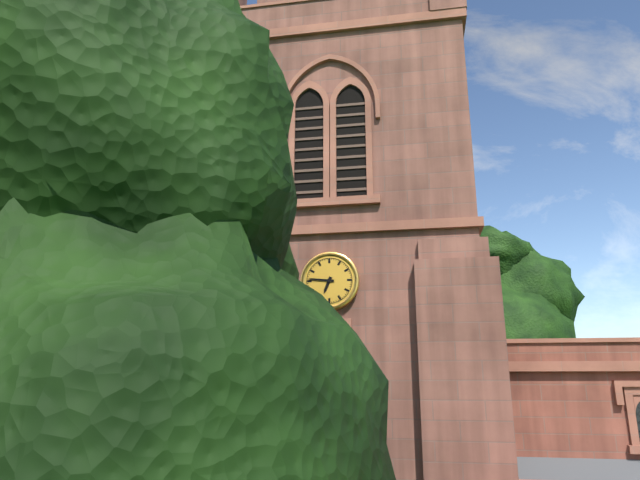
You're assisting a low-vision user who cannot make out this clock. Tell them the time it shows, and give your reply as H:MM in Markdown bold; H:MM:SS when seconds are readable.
**6:46**
